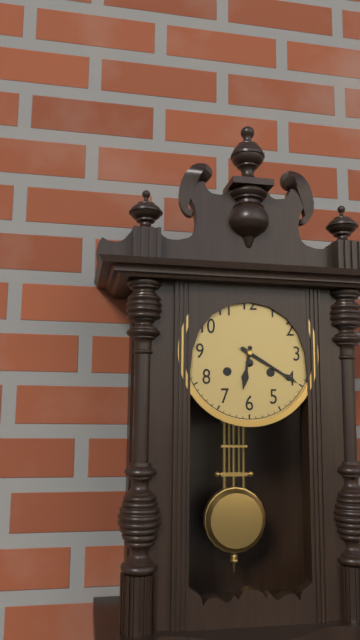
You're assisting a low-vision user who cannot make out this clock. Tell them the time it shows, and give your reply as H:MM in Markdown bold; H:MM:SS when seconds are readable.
**6:20**
